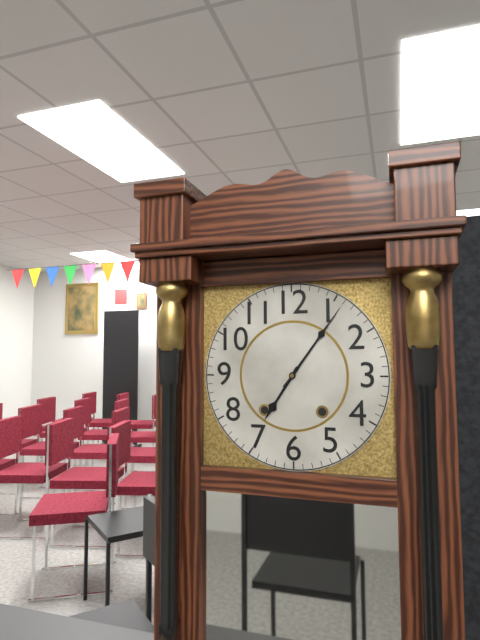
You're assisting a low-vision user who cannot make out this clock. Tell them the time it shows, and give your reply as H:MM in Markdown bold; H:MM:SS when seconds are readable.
**7:06**
